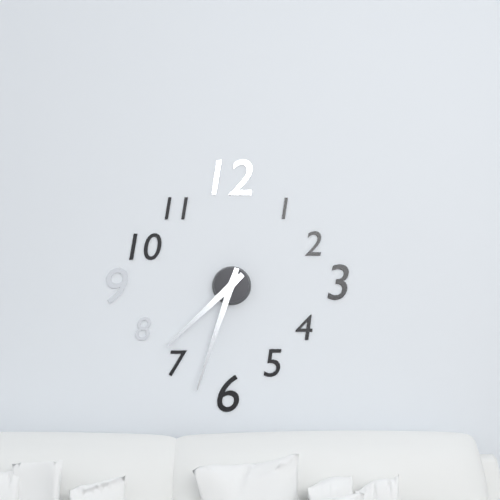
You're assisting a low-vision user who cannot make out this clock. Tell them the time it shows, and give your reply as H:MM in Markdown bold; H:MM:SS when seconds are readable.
**7:33**
